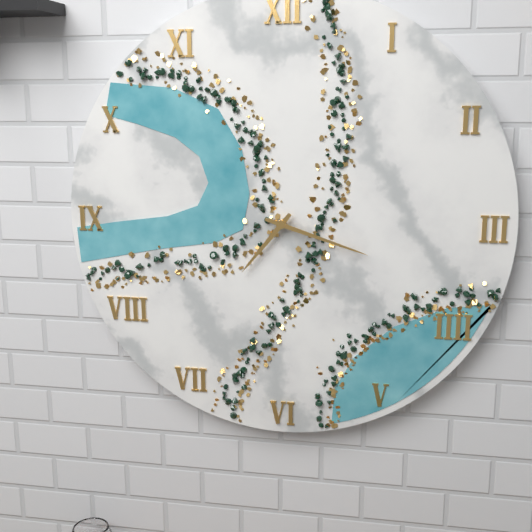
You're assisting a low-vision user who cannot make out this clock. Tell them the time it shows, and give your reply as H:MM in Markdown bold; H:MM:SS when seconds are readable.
**7:18**
